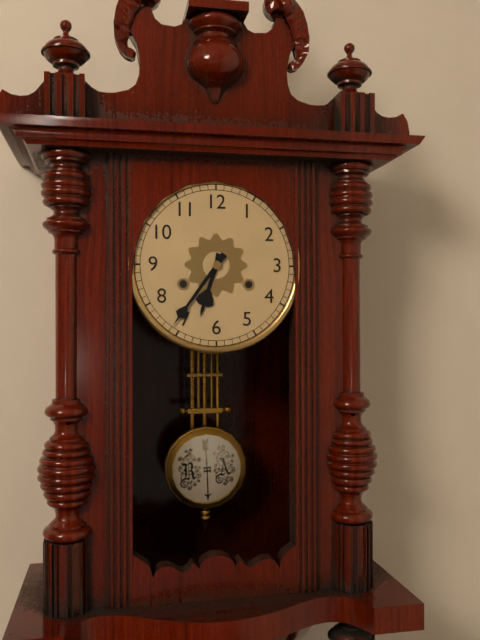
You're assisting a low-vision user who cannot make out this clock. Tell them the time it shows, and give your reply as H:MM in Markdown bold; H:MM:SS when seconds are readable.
**6:36**
